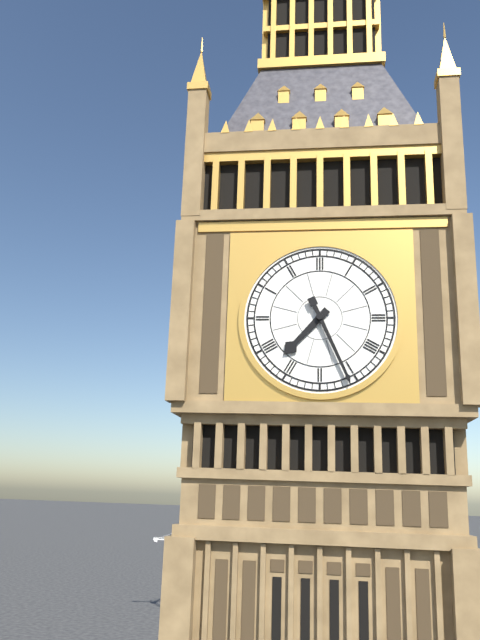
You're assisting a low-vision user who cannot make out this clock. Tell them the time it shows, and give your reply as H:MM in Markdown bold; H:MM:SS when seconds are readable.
**7:26**
